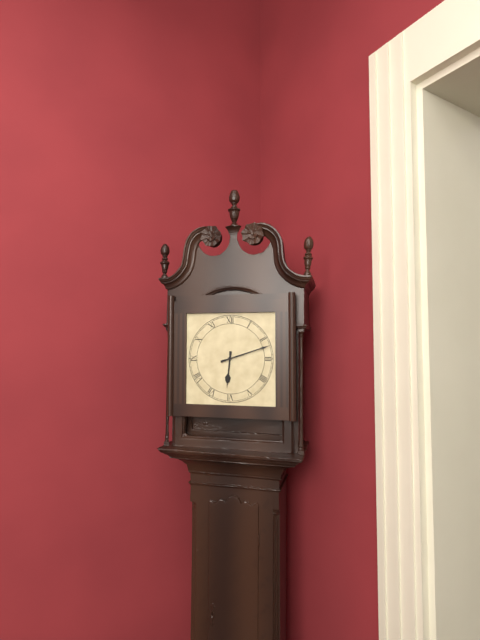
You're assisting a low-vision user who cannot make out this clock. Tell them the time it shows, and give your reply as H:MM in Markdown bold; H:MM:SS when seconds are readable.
**6:12**
